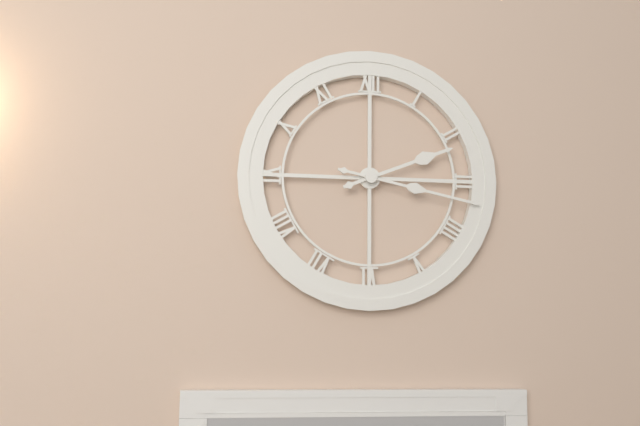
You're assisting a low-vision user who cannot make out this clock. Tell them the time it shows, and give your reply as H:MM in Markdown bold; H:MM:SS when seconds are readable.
**2:17**
